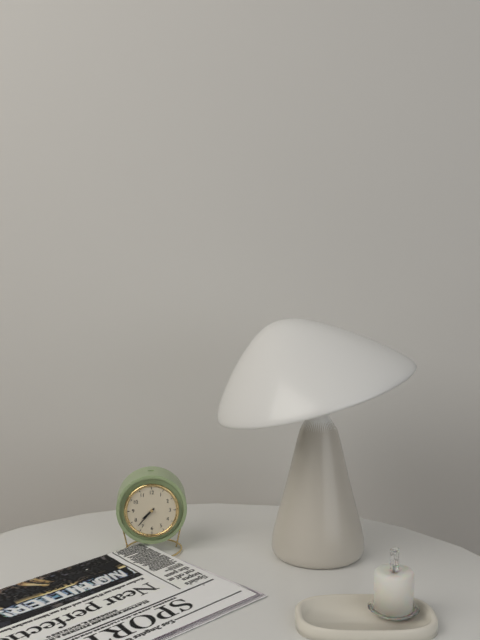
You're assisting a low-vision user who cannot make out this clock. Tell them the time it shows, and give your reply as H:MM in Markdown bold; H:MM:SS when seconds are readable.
**7:37**
